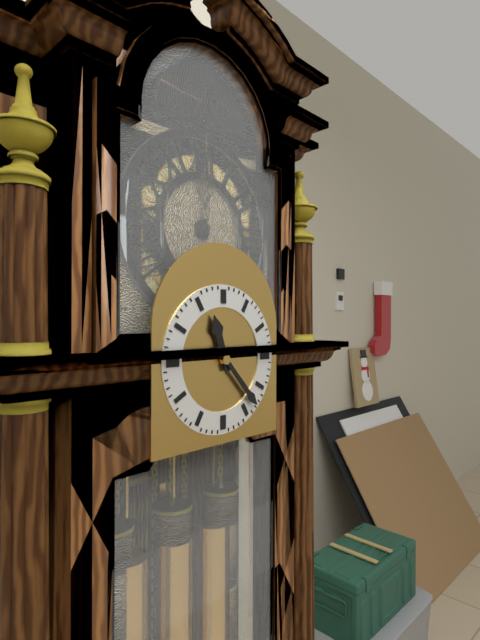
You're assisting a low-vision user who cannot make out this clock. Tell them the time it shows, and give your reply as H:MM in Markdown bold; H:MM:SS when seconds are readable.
**11:23**
